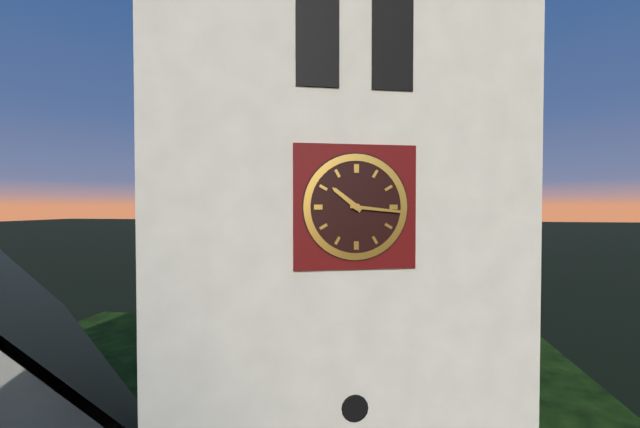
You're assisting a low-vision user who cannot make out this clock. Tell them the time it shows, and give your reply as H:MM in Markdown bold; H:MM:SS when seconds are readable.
**10:16**
